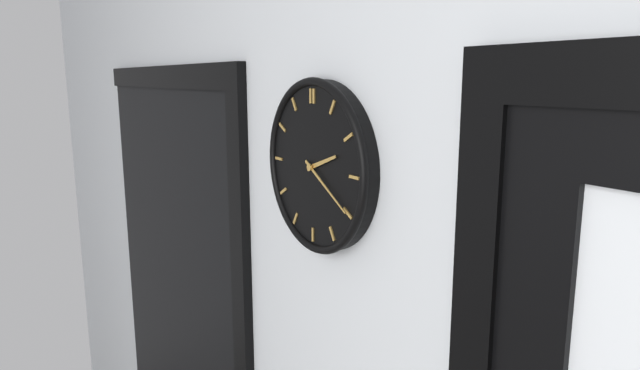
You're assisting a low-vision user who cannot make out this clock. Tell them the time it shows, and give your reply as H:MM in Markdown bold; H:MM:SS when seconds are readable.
**2:20**
